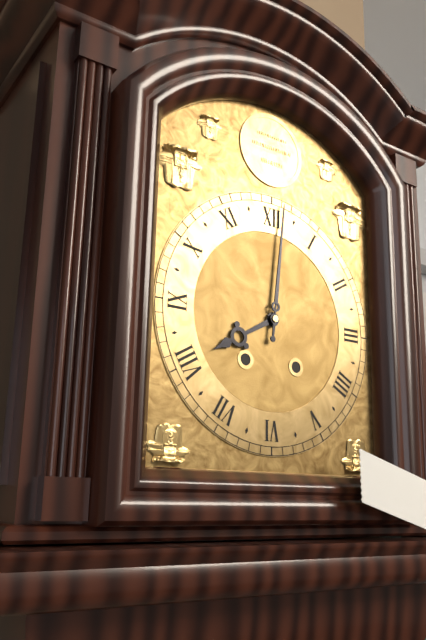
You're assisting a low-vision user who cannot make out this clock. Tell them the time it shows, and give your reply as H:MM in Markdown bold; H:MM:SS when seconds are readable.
**8:01**
